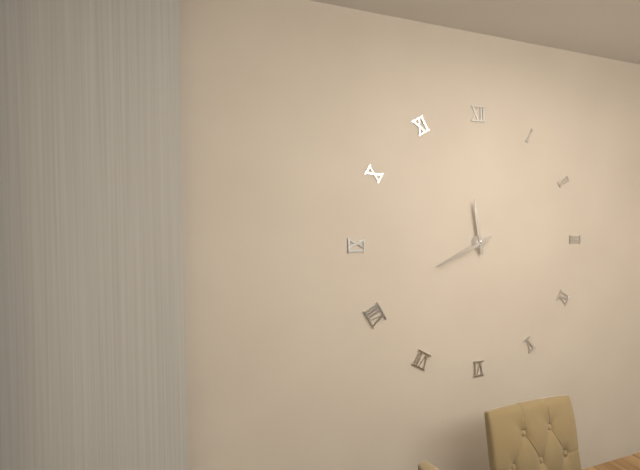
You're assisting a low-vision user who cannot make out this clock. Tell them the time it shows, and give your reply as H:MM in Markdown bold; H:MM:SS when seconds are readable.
**11:41**
